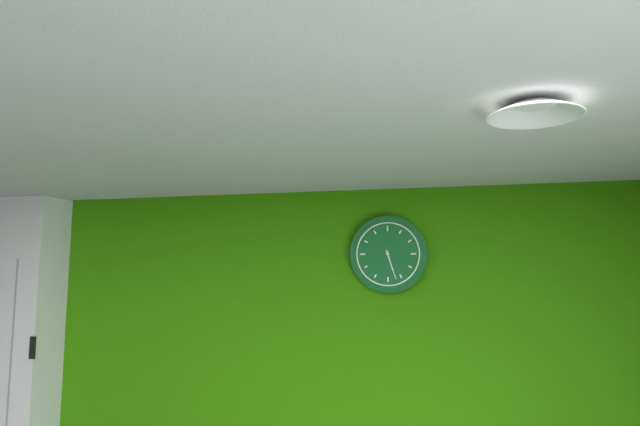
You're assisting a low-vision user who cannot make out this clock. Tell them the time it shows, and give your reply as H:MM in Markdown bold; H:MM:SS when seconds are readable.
**5:27**
